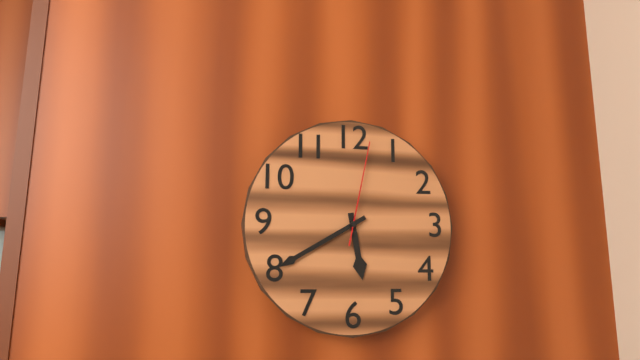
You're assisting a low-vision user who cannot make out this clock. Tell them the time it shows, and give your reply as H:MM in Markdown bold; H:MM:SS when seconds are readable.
**5:40:02**
